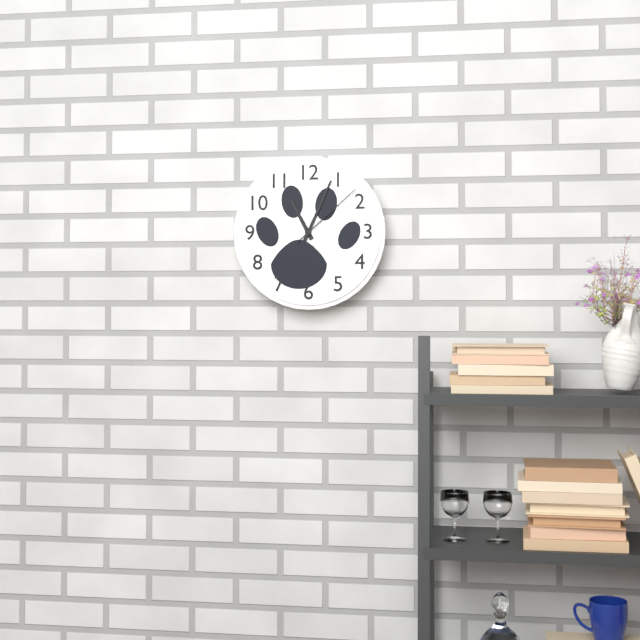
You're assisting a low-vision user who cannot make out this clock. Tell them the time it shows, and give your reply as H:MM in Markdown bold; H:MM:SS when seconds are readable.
**11:04:08**
